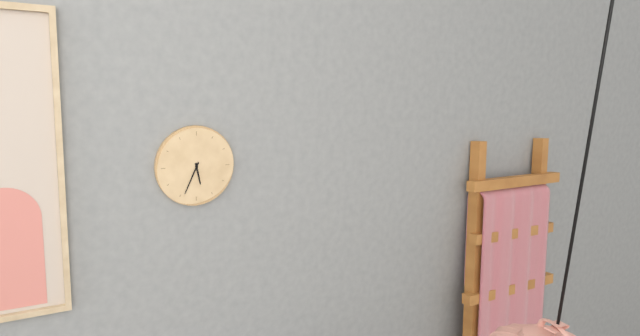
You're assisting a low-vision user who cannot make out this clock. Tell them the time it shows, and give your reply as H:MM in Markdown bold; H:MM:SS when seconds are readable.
**5:34**
